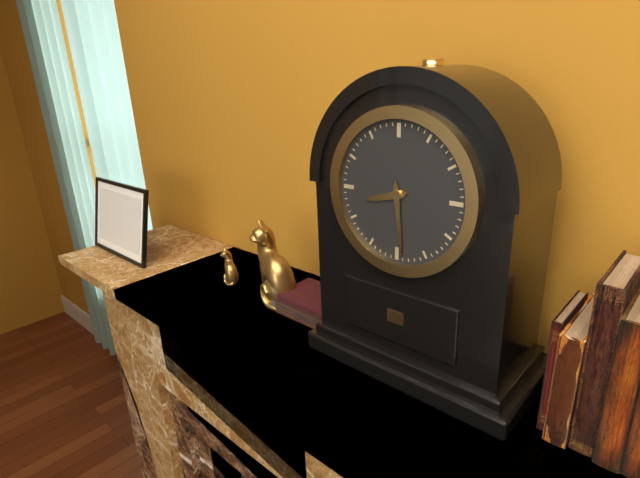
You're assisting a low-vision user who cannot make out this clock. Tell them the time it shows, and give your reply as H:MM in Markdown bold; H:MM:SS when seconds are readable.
**8:29**
